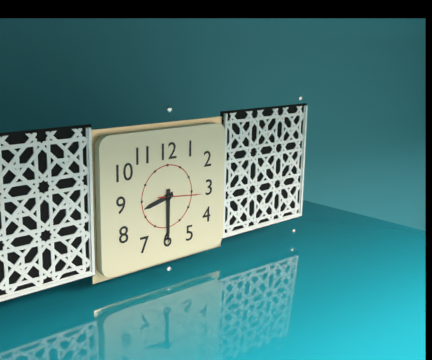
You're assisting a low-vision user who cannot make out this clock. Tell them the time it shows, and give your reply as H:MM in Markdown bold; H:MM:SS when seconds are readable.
**8:30**
